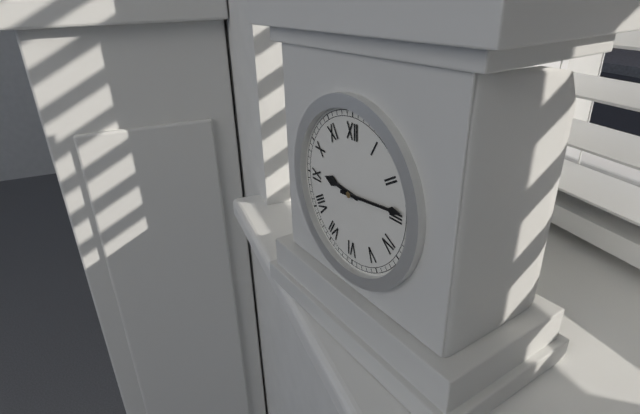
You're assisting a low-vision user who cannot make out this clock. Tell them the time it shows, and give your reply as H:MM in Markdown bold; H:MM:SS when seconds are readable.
**9:14**
